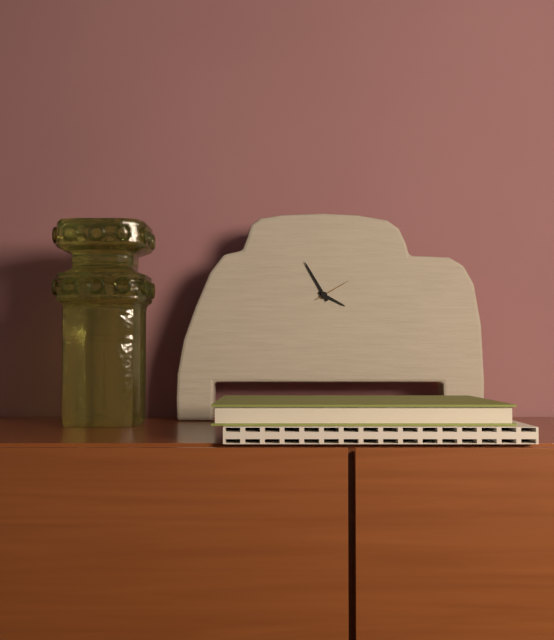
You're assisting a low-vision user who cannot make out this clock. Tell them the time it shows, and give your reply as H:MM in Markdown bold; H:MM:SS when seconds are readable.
**3:55**
